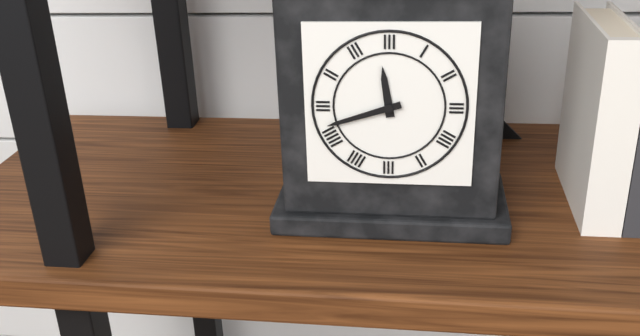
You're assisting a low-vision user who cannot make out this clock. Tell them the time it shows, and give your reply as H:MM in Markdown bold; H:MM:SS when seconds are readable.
**11:42**
